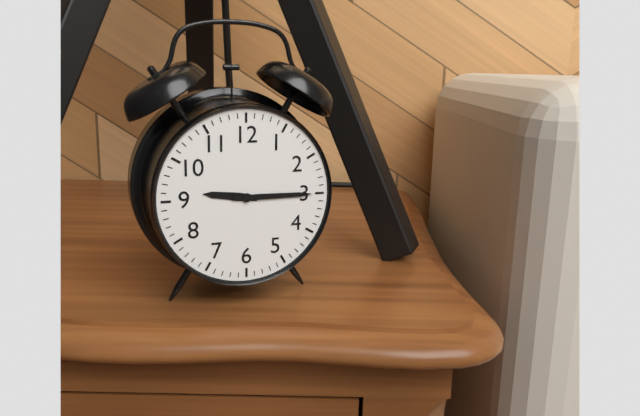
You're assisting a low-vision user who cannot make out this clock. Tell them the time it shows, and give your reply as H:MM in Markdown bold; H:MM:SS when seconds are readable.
**9:15**
